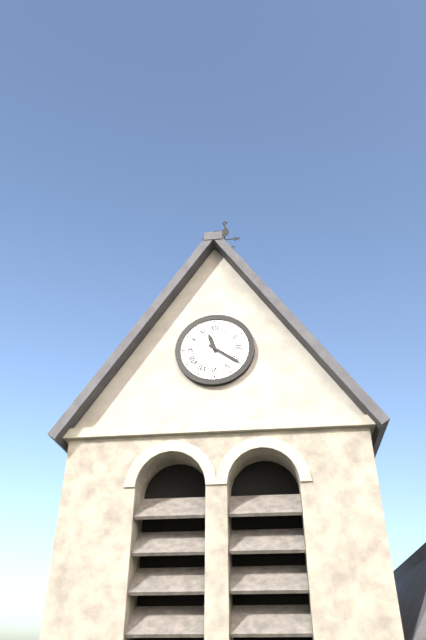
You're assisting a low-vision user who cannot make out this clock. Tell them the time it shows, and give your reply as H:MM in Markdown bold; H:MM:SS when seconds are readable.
**11:21**
